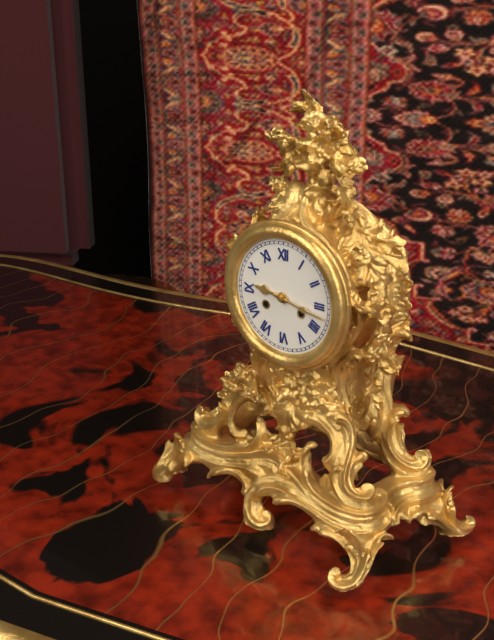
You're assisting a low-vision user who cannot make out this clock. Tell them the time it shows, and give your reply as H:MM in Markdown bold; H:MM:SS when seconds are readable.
**9:17**
